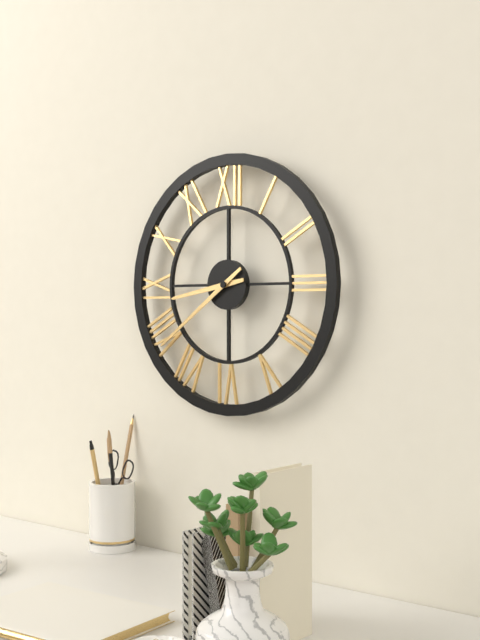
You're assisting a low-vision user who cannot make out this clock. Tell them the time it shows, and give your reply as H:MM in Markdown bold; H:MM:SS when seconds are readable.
**8:39**
